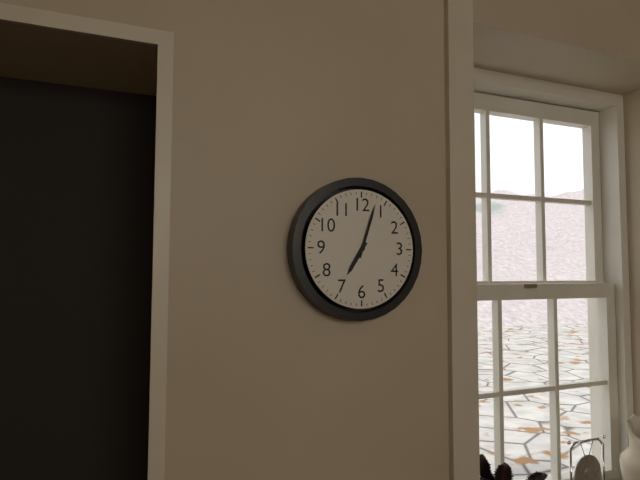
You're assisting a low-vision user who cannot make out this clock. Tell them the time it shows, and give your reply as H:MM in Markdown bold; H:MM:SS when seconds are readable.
**7:03**
